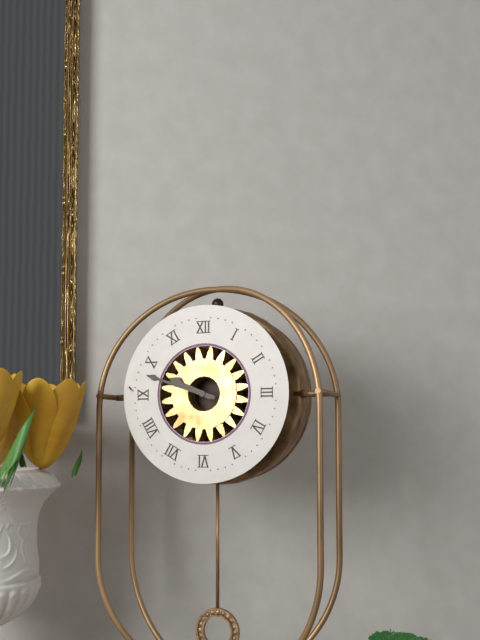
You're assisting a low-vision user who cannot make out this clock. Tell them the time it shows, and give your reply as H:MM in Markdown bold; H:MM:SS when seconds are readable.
**9:48**
